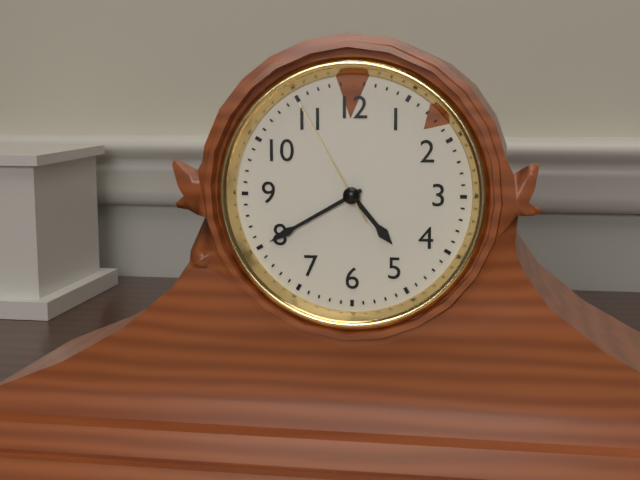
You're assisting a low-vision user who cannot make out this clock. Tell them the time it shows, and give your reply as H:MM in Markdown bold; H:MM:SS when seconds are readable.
**4:40:55**
